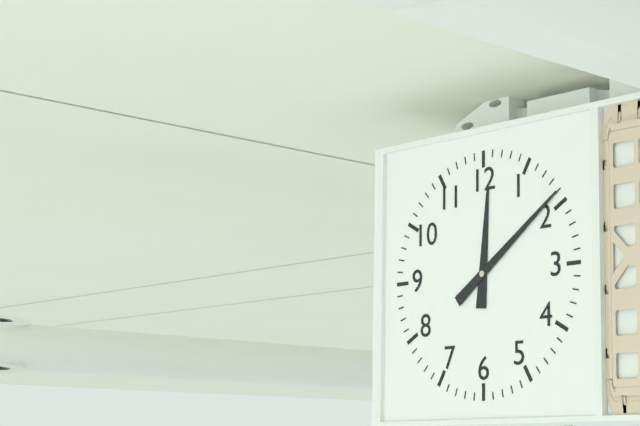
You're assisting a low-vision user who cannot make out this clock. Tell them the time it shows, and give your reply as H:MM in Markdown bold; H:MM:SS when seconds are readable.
**12:09**
